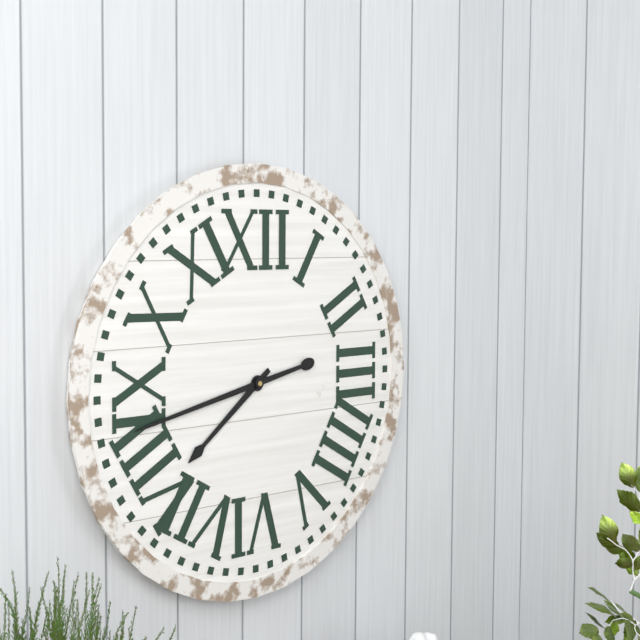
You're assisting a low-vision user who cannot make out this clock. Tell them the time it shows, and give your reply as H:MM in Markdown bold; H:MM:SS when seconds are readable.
**7:43**
